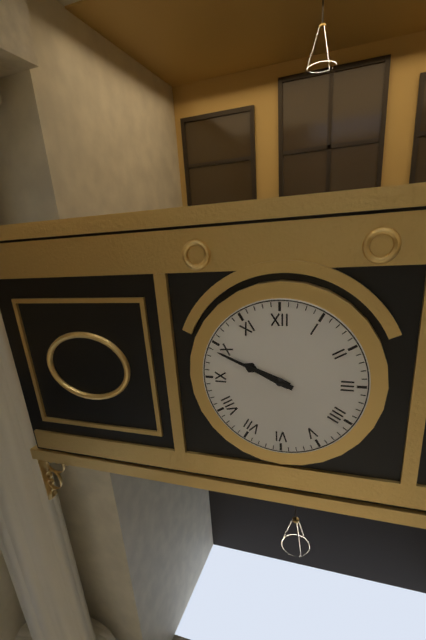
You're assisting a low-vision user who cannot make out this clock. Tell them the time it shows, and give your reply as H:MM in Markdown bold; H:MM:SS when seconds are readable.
**9:49**
